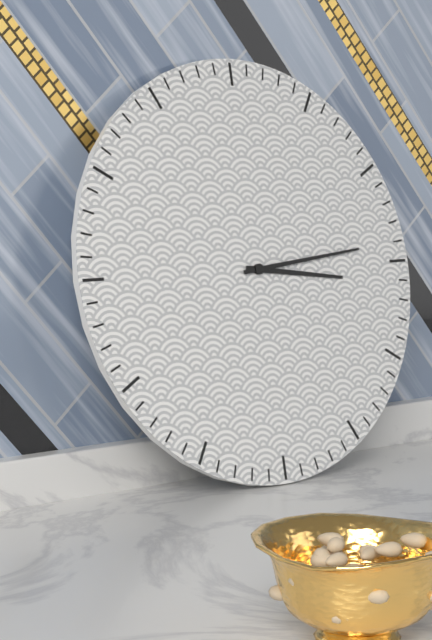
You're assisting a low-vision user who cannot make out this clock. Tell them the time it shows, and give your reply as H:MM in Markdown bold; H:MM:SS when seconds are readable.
**3:14**
